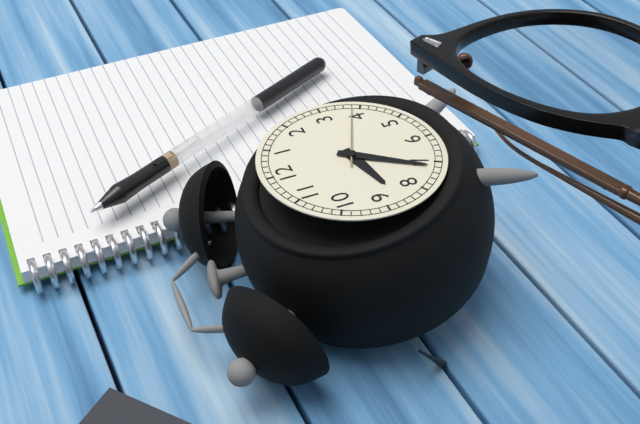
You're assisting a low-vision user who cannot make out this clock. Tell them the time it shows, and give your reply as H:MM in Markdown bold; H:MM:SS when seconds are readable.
**8:36:19**
